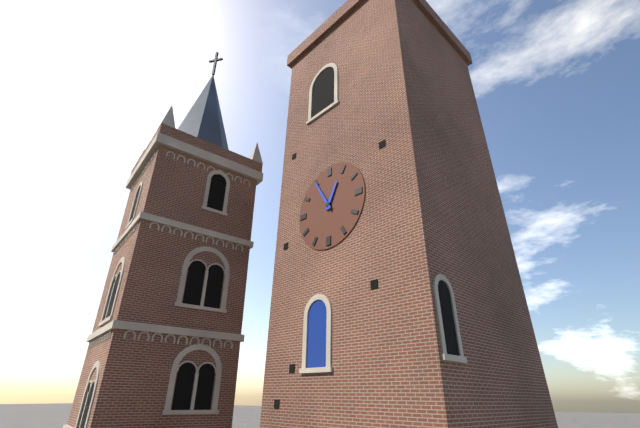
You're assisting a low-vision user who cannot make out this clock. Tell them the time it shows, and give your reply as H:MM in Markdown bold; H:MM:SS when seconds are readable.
**12:55**
